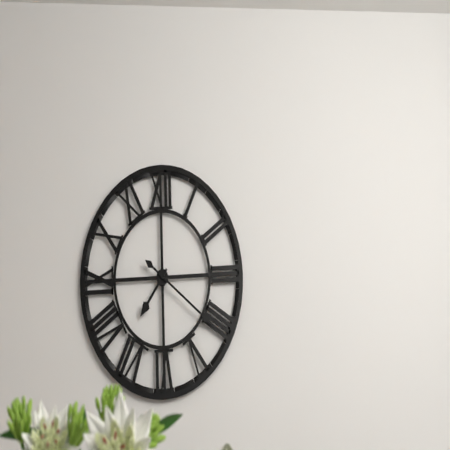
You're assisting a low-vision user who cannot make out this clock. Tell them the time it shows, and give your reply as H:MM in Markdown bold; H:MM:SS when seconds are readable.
**7:21**
